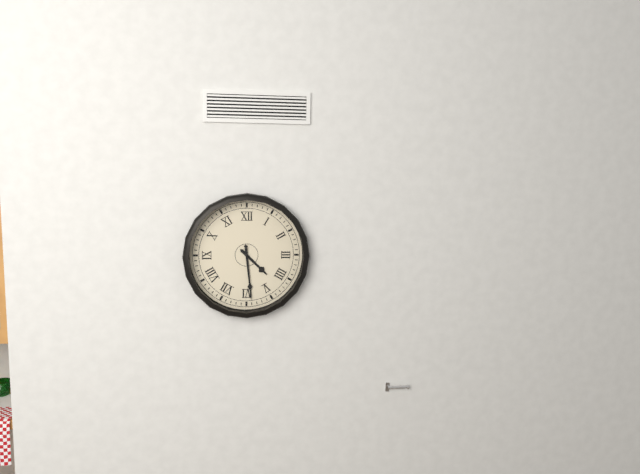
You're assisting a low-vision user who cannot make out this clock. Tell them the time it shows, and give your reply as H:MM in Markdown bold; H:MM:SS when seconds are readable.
**4:29**
